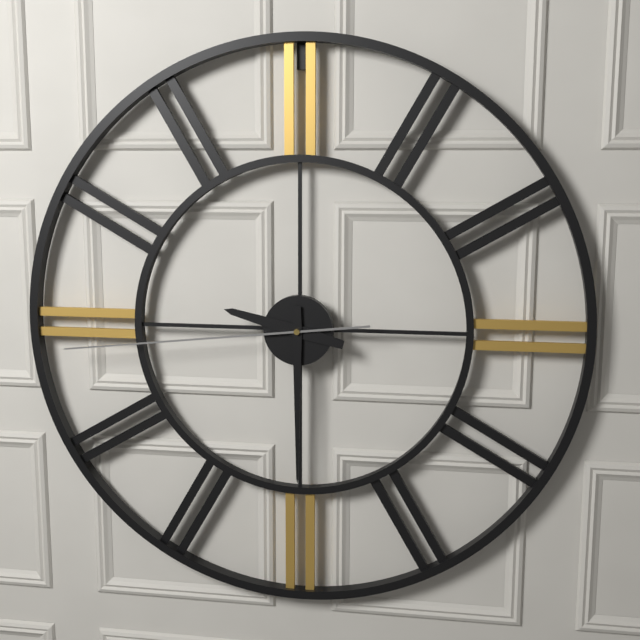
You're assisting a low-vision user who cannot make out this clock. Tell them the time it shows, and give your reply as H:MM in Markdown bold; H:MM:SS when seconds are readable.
**9:30:44**
